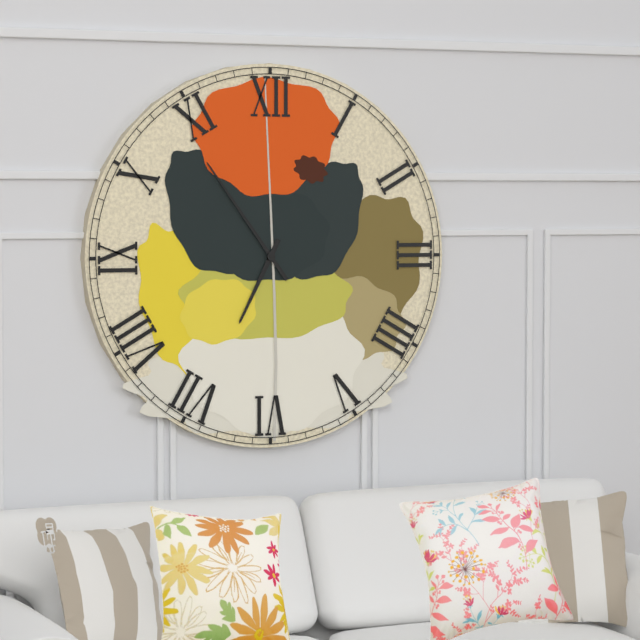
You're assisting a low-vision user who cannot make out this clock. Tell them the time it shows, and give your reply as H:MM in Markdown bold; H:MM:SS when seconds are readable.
**6:54**
